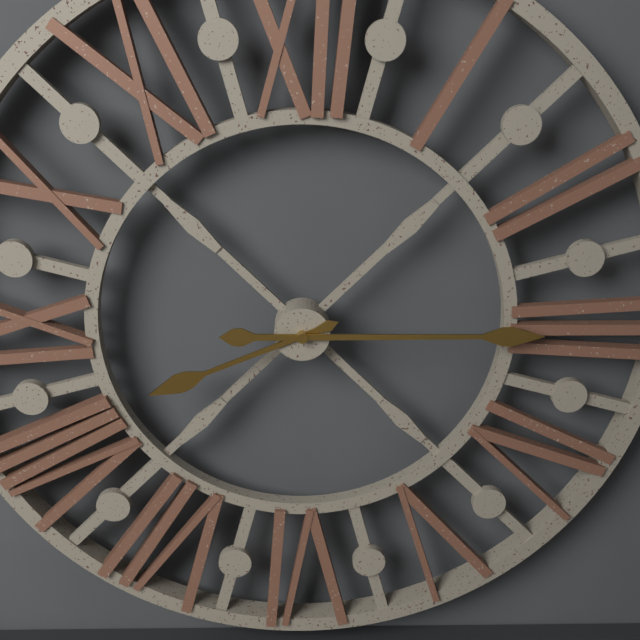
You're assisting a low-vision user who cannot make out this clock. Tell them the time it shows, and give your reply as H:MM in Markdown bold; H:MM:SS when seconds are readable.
**8:15**
